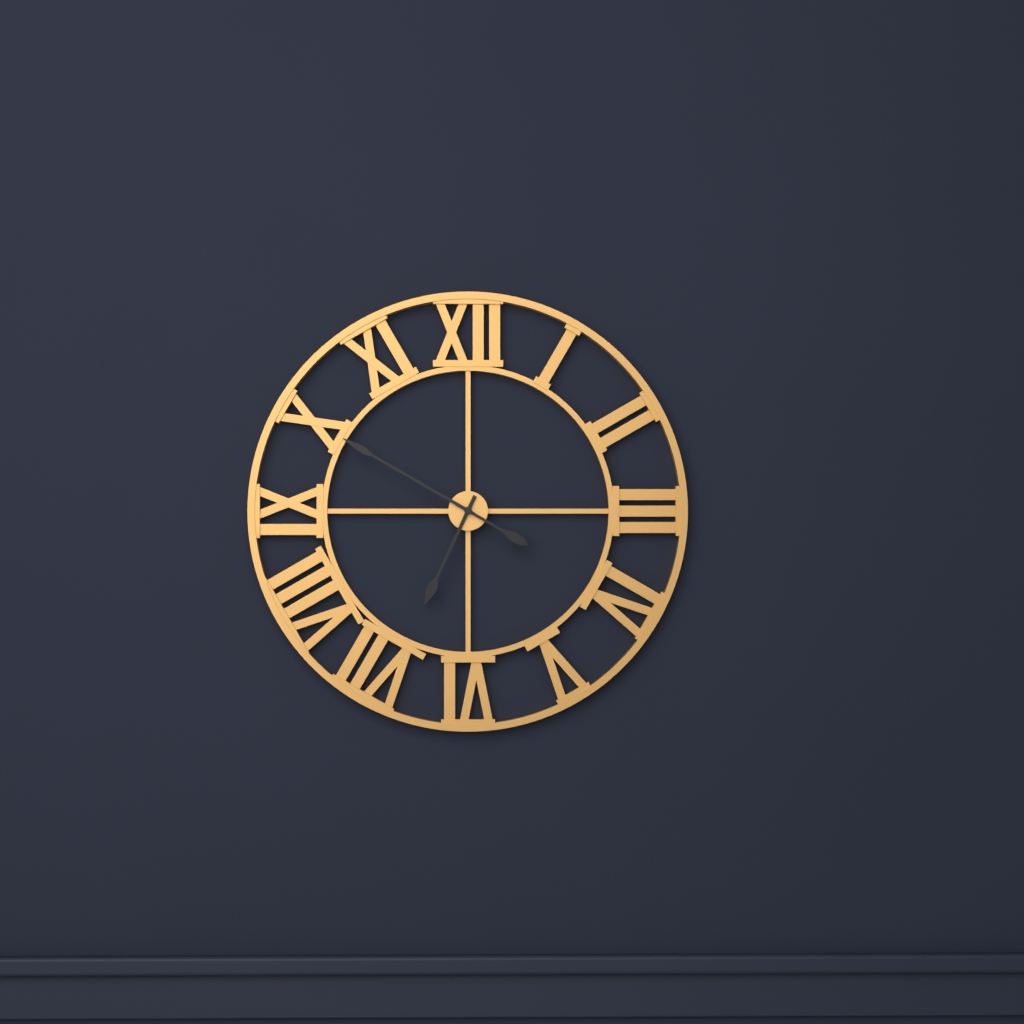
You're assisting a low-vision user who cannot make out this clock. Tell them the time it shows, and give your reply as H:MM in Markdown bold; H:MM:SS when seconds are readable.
**6:50**
